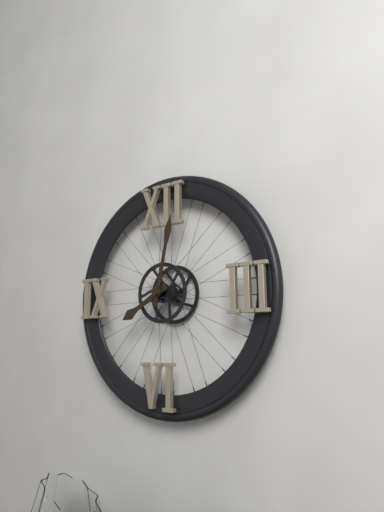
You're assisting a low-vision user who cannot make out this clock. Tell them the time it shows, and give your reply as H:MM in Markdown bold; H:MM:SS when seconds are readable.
**8:02**
